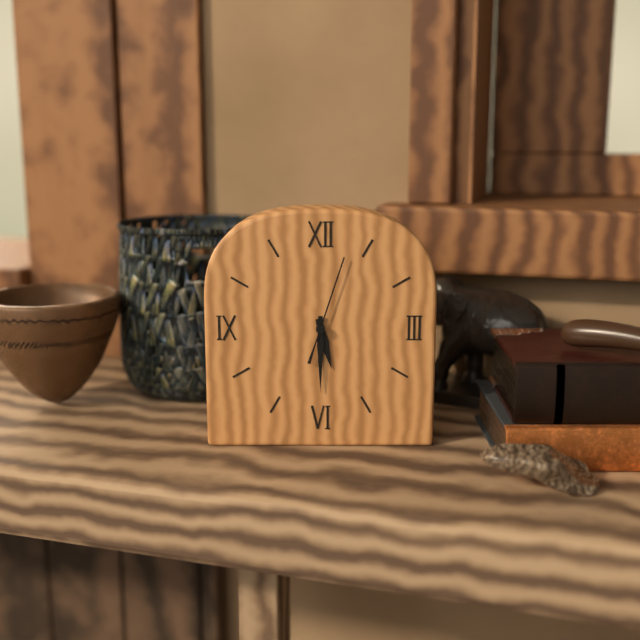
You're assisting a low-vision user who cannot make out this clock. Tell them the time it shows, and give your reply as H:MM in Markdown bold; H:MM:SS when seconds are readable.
**5:30:03**
